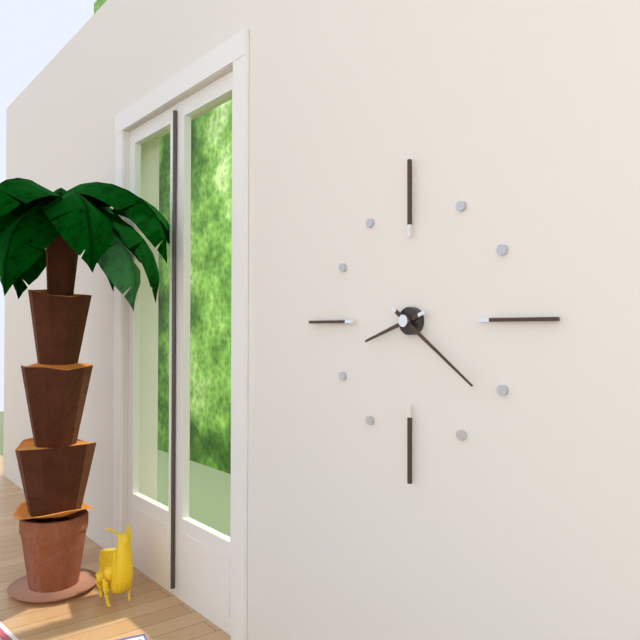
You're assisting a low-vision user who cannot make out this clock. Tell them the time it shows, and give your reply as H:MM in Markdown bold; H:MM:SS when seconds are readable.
**8:21**
